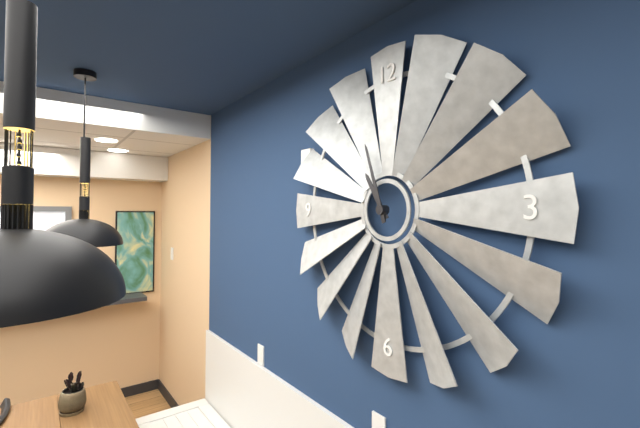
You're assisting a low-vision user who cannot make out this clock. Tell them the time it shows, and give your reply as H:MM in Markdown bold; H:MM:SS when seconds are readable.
**10:57**
